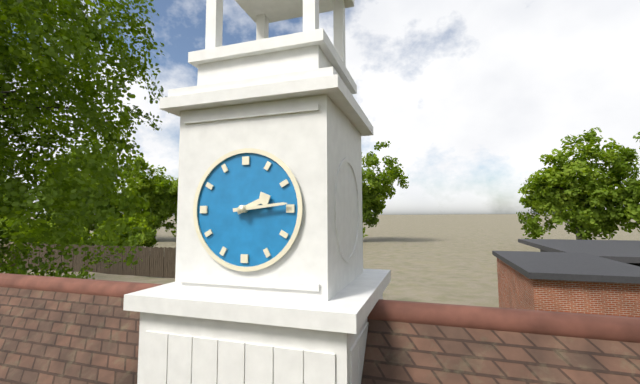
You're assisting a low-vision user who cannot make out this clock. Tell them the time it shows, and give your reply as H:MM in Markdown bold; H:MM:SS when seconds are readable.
**2:14**
